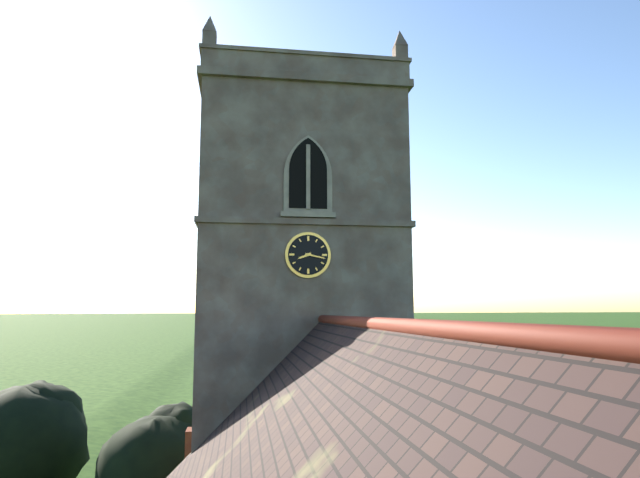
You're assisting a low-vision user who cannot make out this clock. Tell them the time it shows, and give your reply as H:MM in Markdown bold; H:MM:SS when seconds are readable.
**8:17**
